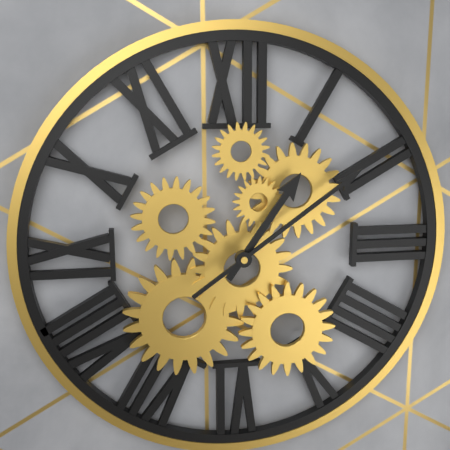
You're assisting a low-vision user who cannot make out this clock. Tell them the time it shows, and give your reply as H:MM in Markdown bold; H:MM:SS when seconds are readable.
**1:09**
